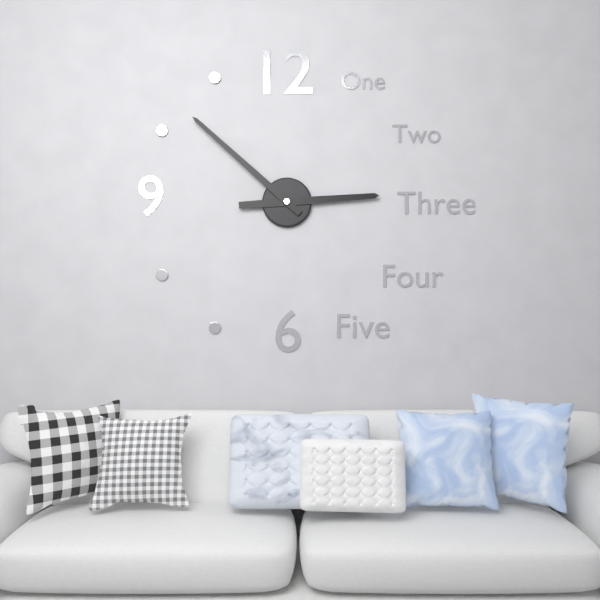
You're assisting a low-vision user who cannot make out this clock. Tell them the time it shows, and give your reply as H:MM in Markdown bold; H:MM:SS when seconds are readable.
**2:52**
